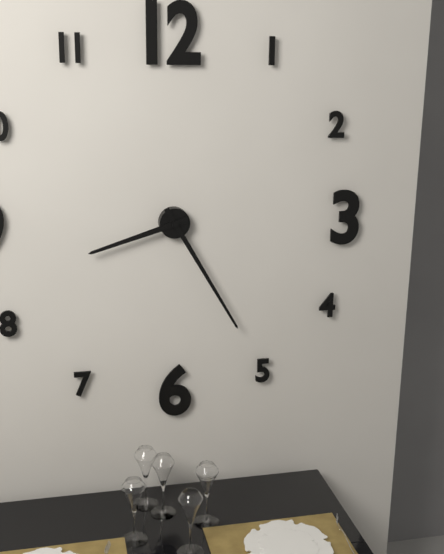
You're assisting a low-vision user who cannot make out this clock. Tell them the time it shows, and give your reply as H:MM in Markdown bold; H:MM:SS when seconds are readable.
**8:25**
